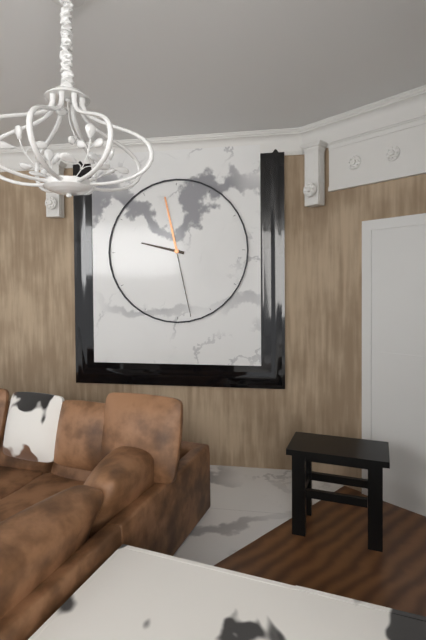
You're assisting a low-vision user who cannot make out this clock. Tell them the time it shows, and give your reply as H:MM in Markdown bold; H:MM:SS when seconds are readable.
**9:28**
